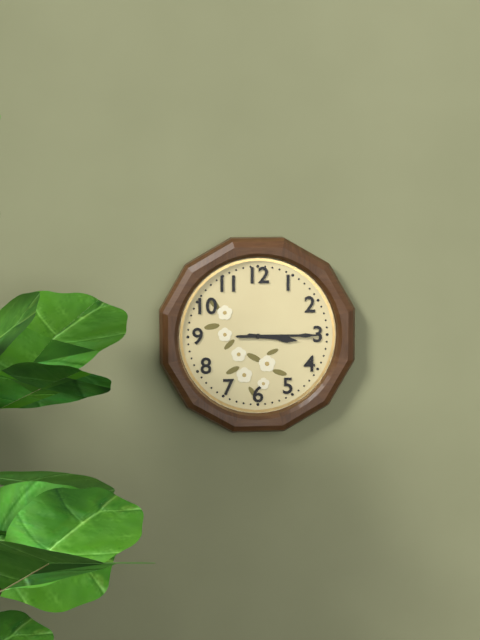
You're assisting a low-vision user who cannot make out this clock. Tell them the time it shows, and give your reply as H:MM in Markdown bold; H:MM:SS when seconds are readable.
**3:15**
